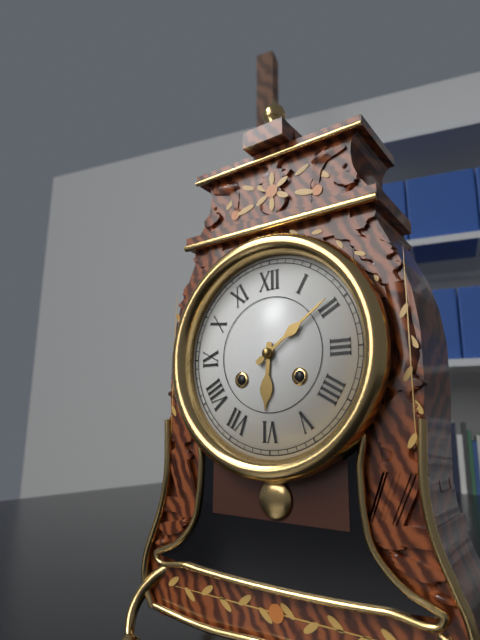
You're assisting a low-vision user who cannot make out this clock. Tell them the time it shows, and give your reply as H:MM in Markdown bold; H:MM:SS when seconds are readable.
**6:09**
